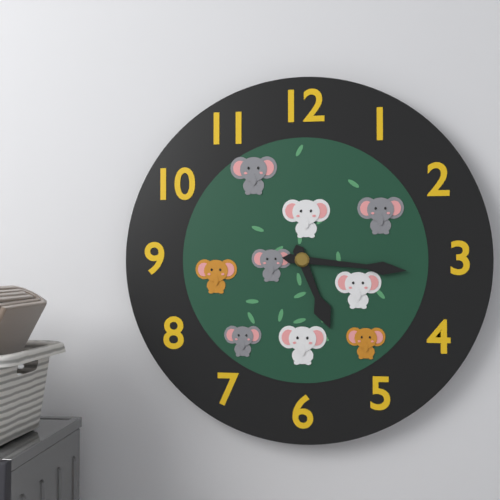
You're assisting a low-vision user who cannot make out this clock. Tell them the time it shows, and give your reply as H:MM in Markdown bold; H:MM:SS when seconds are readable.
**5:16**
